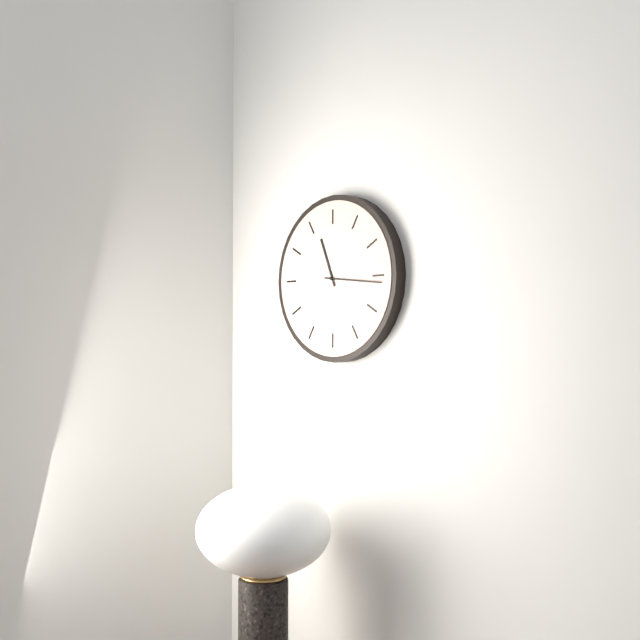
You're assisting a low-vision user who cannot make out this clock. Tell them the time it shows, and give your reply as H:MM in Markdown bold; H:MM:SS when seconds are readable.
**11:16**
